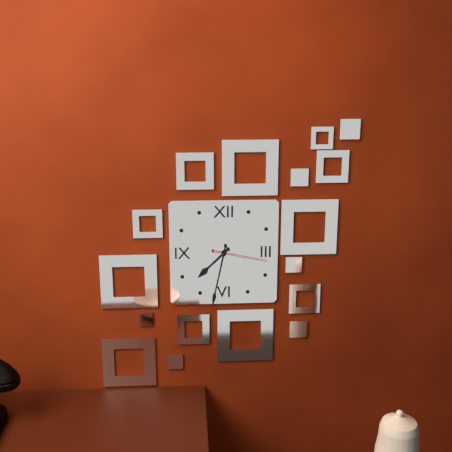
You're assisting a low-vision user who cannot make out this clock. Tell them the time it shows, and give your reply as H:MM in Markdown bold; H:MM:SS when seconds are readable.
**7:32:17**
